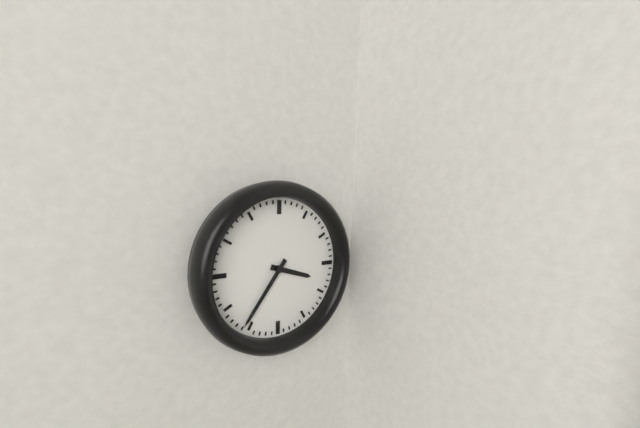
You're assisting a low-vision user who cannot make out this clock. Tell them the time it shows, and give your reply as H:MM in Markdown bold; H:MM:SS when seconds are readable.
**3:36**
